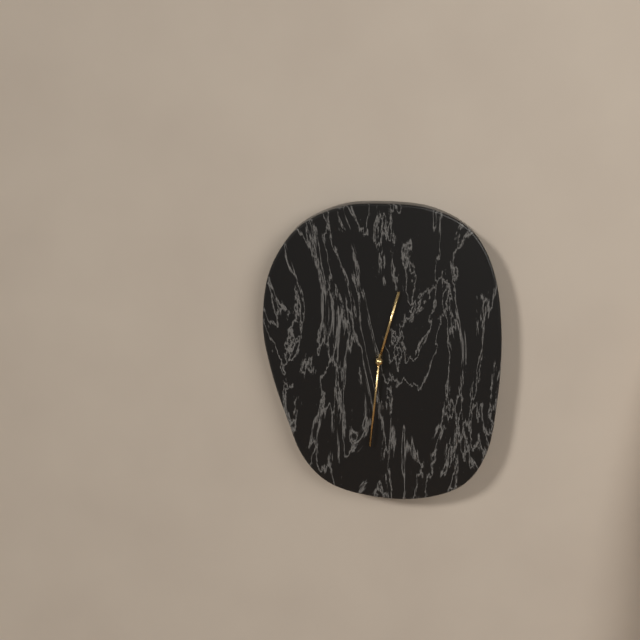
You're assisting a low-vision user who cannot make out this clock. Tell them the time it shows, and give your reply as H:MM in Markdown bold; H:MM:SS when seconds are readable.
**12:31**
